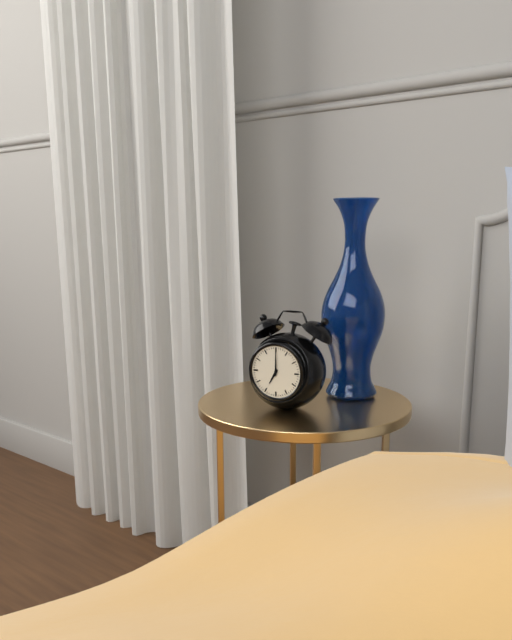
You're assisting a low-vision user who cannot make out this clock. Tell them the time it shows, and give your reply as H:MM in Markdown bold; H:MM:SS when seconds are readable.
**7:00**
